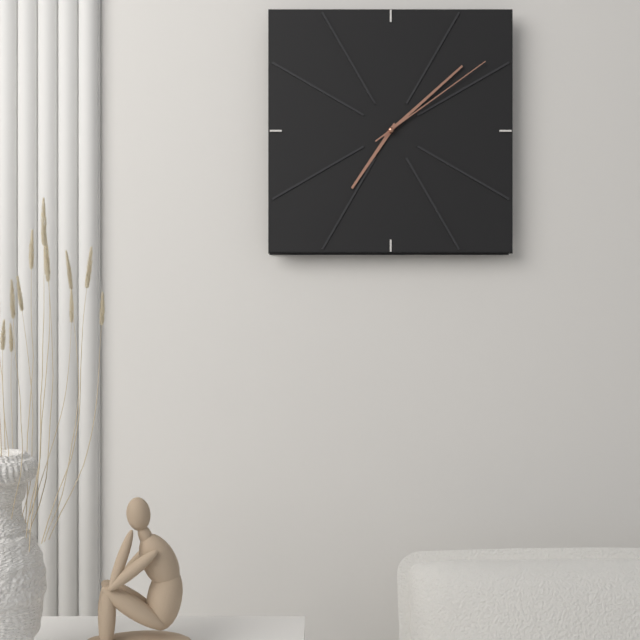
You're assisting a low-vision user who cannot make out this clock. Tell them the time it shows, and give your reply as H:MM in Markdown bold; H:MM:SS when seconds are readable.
**7:08:09**
